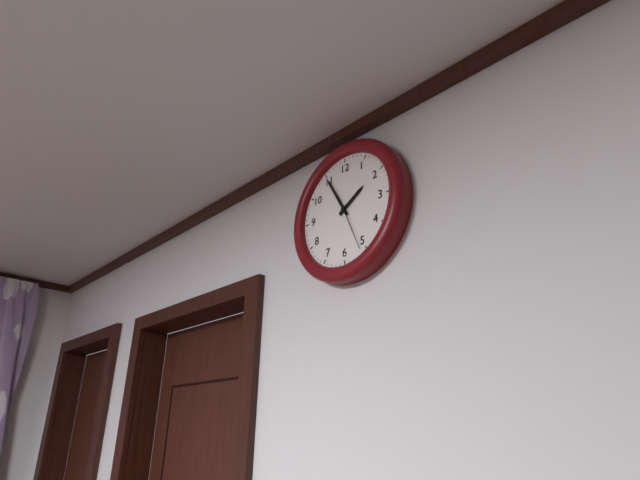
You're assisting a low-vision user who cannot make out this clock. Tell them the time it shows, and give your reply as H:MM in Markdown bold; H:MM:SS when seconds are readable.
**1:55:26**
